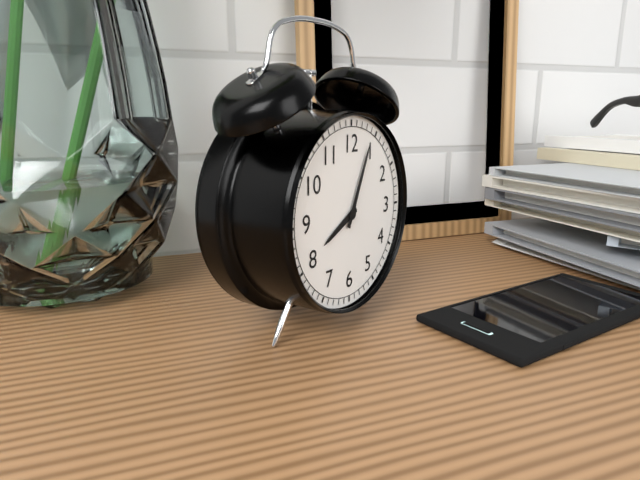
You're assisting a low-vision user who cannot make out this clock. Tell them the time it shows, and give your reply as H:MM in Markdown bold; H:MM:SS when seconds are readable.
**8:04**
